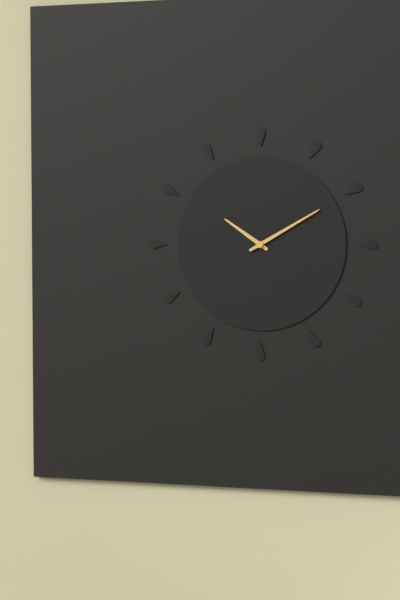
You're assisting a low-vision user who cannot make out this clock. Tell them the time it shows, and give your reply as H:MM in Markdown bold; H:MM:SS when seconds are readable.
**10:10**
